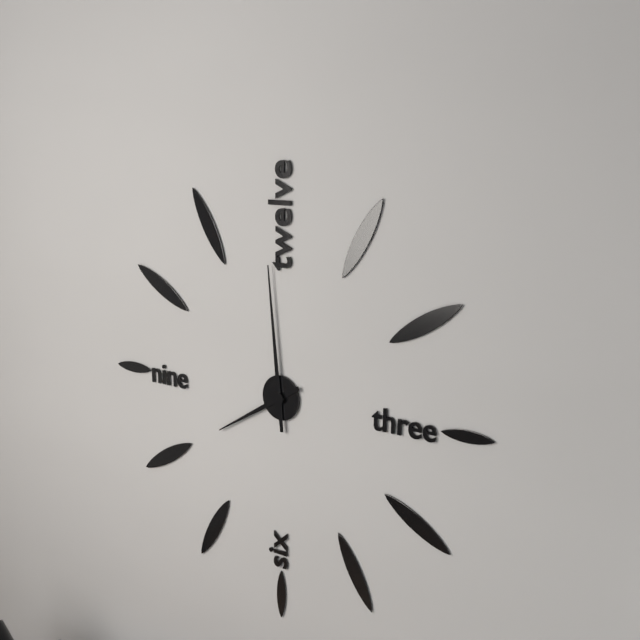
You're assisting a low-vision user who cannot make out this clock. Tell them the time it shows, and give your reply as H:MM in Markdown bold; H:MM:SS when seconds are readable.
**7:59**
